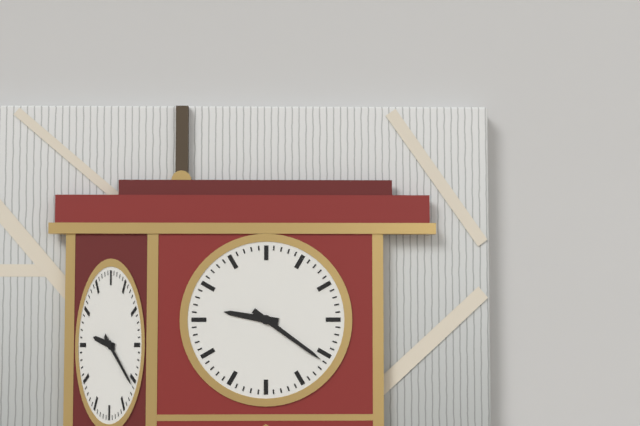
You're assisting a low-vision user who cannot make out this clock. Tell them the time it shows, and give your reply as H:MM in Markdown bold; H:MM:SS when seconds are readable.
**9:21**
